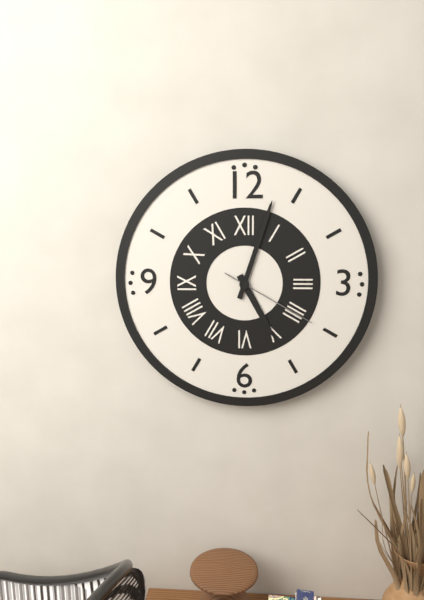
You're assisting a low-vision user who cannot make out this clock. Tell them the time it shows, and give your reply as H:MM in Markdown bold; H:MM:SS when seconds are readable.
**5:03:20**
